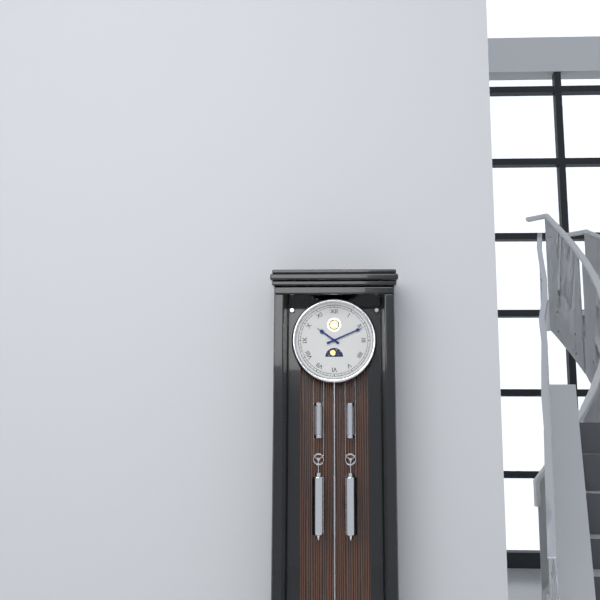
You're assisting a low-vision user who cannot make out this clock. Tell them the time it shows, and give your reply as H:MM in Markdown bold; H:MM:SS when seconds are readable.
**10:11**
